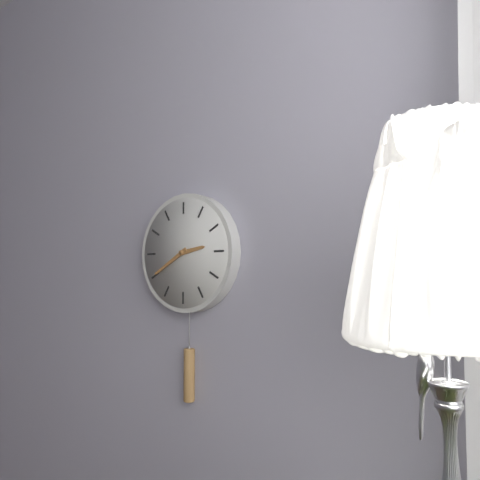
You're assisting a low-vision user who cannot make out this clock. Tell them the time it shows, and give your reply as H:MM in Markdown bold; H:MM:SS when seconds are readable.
**2:40**
